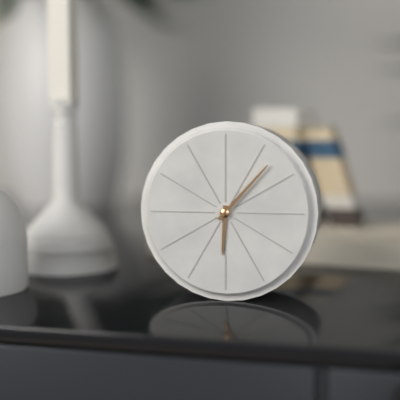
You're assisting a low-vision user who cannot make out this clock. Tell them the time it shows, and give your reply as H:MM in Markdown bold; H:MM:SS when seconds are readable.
**6:07**
